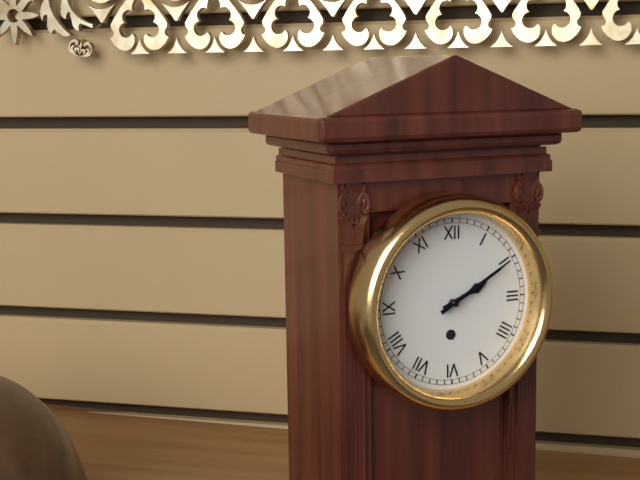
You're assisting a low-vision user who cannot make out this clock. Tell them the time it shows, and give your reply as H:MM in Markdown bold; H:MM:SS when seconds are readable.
**2:10**
